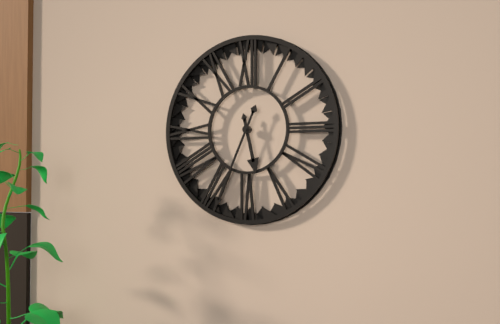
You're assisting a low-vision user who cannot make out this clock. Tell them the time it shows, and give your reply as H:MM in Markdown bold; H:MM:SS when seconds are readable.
**5:34**
